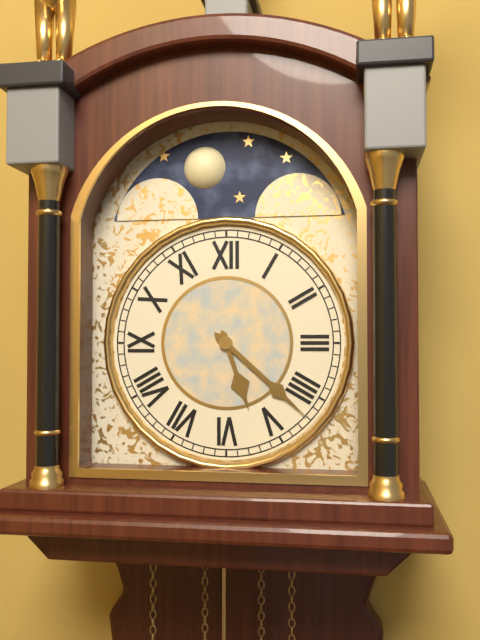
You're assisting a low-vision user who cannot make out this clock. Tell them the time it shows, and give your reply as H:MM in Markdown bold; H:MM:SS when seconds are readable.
**5:22**
